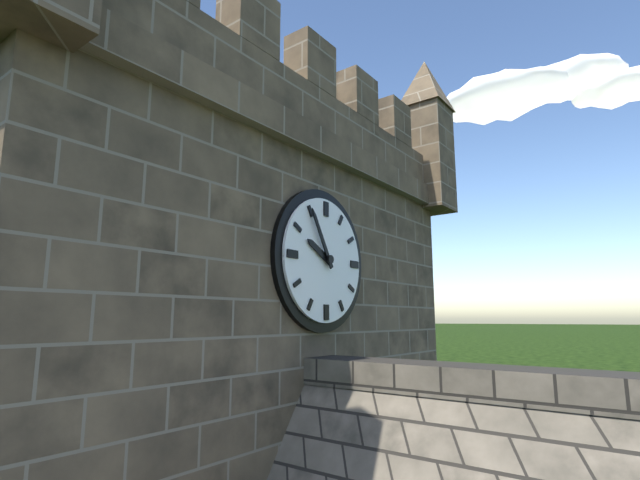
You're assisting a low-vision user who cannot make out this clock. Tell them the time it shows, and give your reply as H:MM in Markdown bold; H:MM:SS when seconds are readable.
**9:55**
